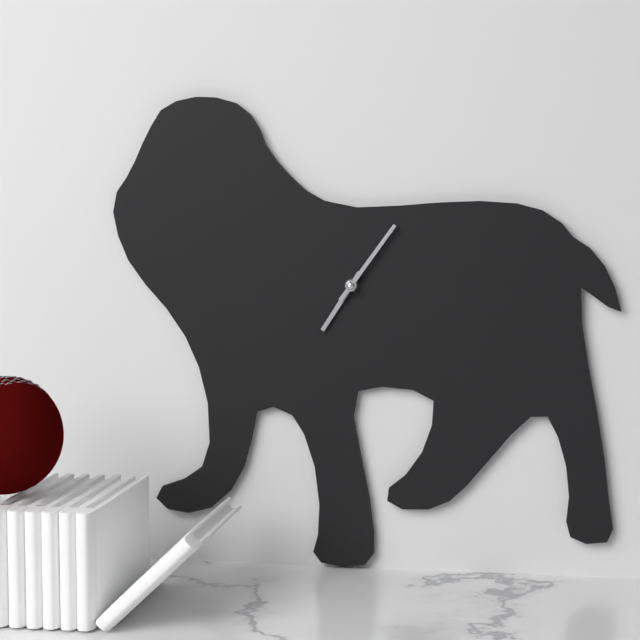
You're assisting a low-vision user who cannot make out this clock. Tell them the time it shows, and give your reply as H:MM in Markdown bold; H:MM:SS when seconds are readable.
**7:06**
